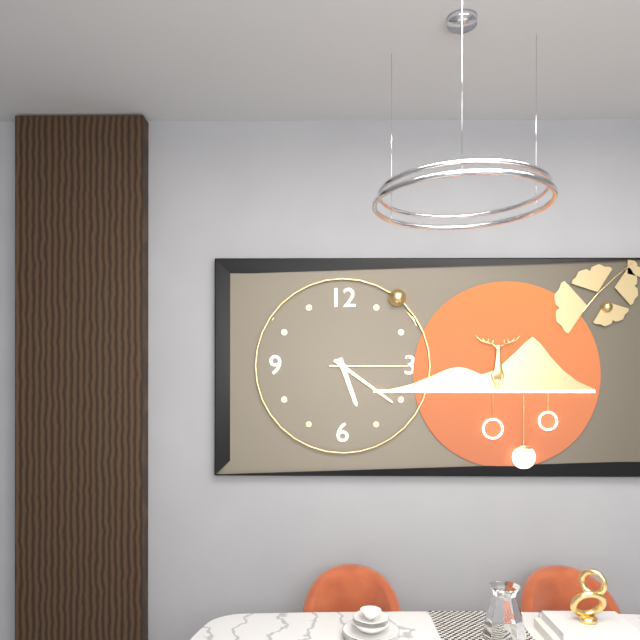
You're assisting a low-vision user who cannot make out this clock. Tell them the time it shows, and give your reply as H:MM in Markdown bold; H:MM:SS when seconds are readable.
**5:21:15**
